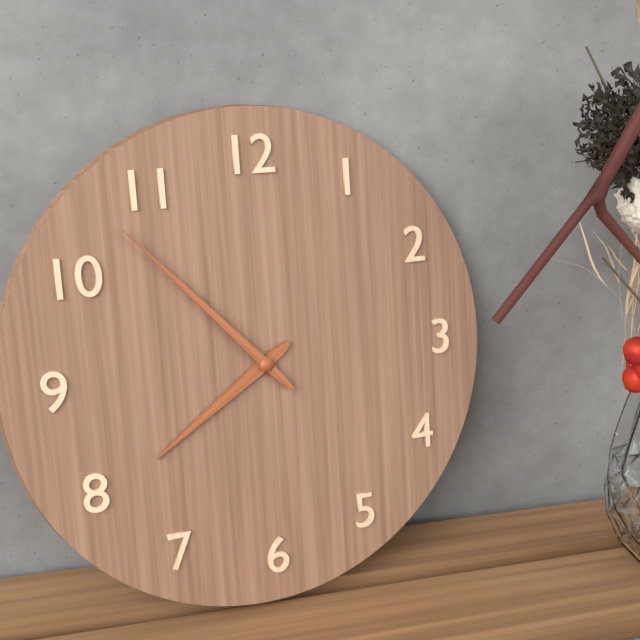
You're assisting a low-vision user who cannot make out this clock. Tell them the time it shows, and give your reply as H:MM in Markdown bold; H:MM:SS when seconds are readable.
**7:53**
